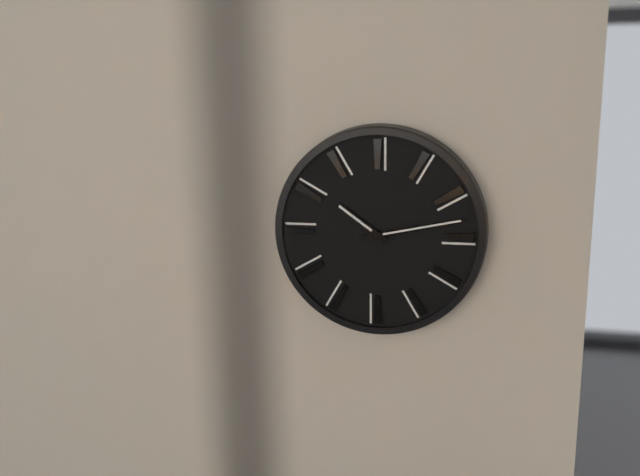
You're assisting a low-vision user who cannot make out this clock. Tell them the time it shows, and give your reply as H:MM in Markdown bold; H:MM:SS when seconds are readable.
**10:13**
